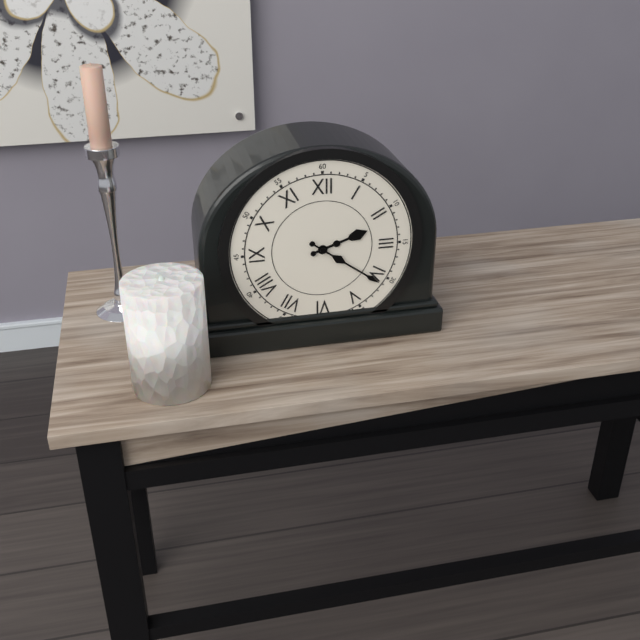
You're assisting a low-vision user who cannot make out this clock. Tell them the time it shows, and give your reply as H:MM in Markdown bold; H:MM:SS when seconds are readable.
**2:21**
